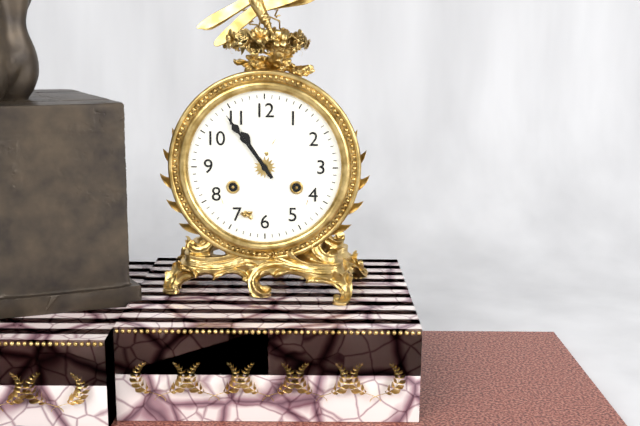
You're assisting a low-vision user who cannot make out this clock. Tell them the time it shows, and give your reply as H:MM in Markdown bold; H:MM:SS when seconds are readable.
**10:54**
